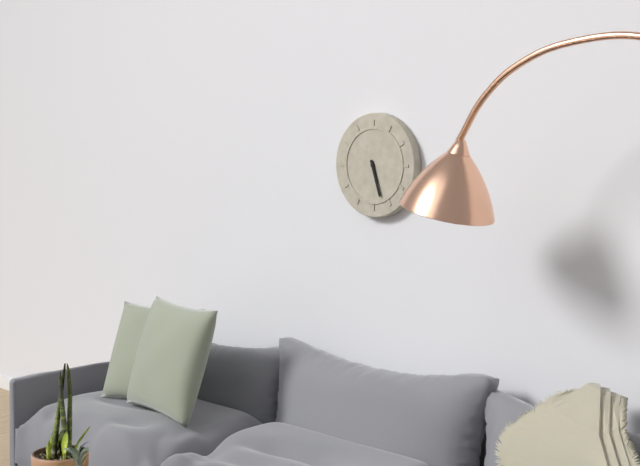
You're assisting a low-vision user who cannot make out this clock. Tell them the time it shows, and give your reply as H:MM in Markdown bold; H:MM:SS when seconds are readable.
**5:27**
